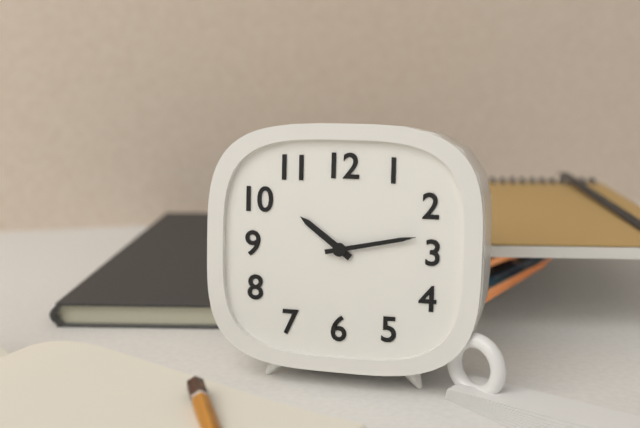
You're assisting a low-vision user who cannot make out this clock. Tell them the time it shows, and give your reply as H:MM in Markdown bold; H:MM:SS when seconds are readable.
**10:13**
